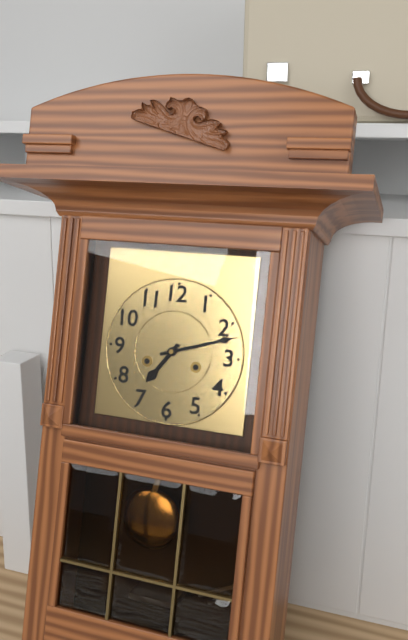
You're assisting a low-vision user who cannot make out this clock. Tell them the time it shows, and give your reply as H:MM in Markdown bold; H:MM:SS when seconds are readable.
**7:12**
